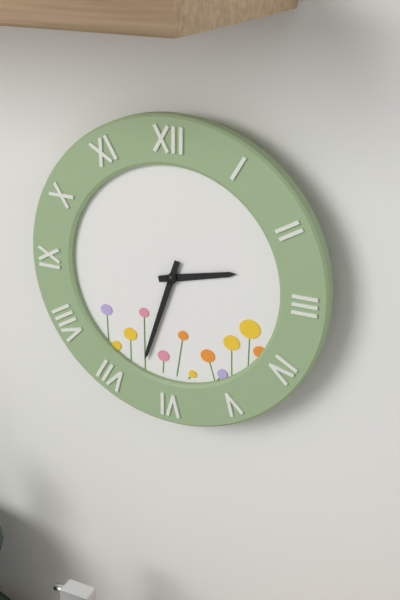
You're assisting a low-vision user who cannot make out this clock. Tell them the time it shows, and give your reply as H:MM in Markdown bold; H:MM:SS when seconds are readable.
**2:33**
